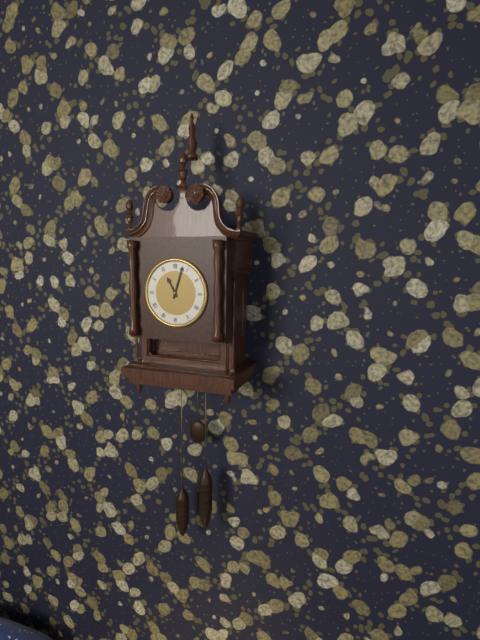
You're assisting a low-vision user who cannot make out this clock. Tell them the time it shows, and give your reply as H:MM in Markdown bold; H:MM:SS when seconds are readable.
**11:03**
